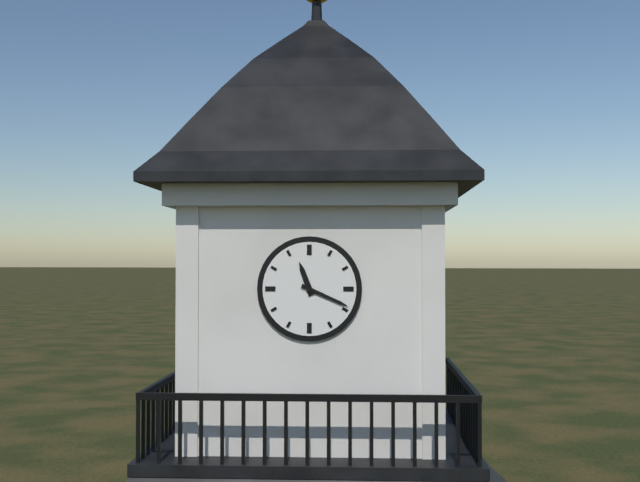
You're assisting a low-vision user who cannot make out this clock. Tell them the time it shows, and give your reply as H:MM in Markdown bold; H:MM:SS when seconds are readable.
**11:19**
